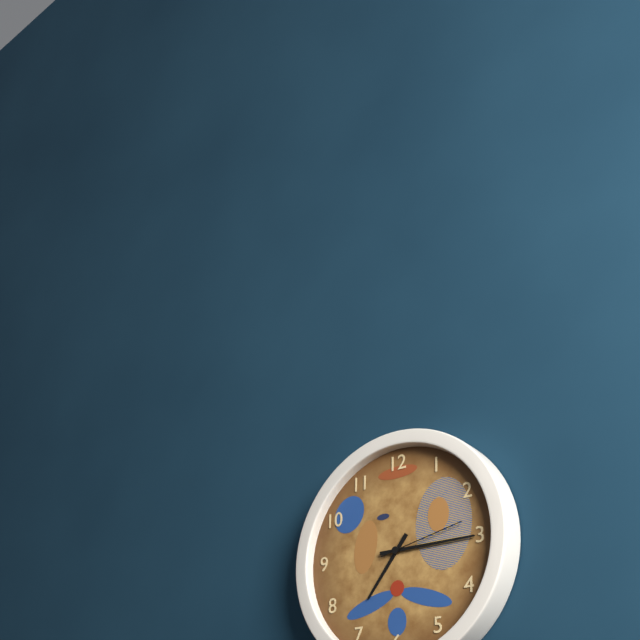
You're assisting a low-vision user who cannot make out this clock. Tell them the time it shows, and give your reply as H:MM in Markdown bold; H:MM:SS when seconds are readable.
**7:15:13**
